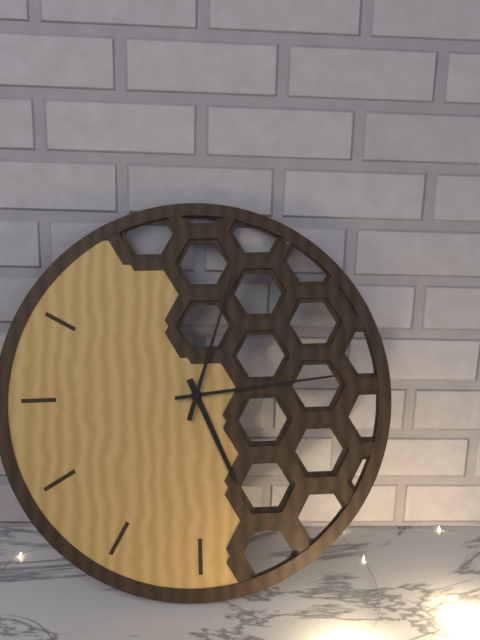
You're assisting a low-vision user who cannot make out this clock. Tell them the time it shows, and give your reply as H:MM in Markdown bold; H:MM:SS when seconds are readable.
**5:14:03**
